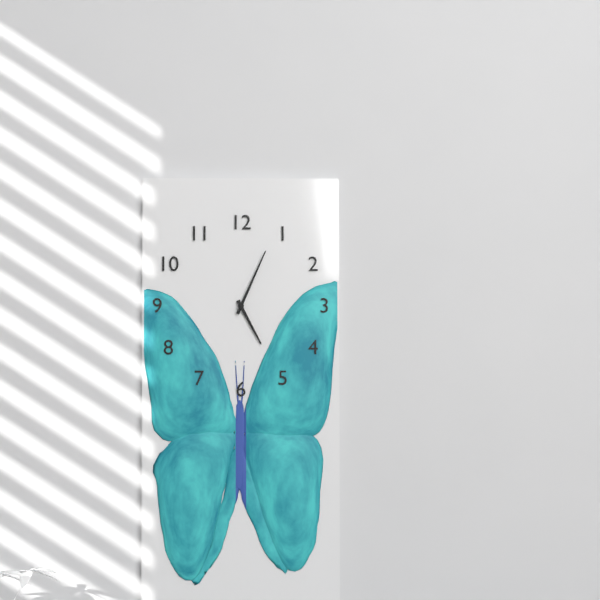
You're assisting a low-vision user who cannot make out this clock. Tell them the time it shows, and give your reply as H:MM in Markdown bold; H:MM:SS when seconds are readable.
**5:04**
